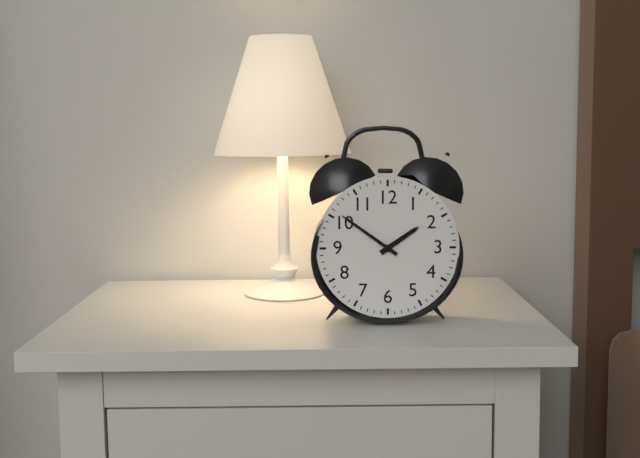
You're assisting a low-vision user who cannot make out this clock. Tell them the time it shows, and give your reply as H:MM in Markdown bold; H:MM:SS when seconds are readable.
**1:51**
